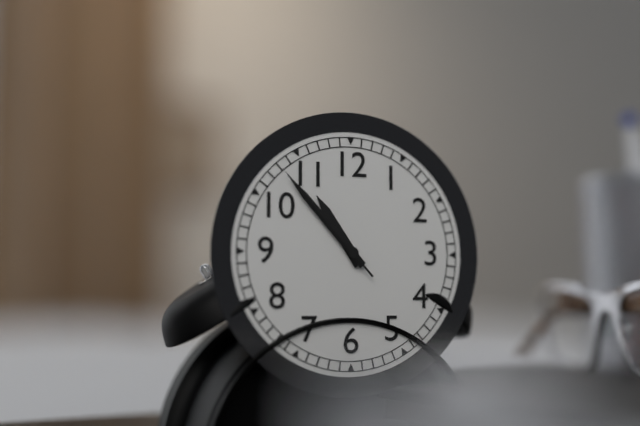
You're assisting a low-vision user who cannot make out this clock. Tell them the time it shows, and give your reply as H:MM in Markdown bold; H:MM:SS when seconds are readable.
**10:53:53**
